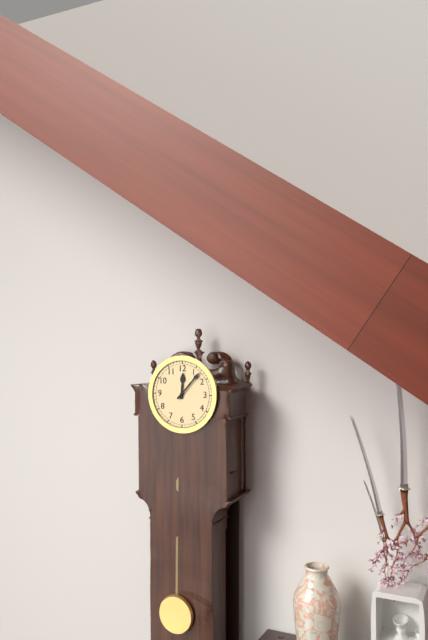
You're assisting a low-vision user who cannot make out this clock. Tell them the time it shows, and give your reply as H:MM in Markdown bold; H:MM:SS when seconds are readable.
**12:07**
